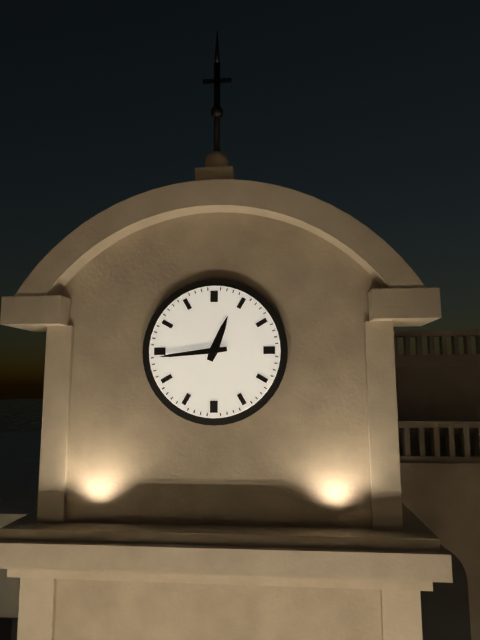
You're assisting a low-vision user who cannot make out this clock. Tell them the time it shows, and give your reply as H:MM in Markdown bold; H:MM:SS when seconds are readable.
**12:44**
